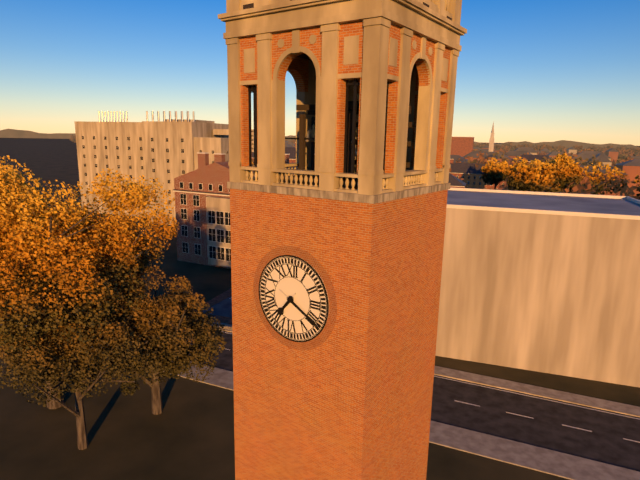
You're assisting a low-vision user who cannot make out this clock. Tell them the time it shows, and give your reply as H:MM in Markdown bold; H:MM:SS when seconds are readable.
**7:20**
